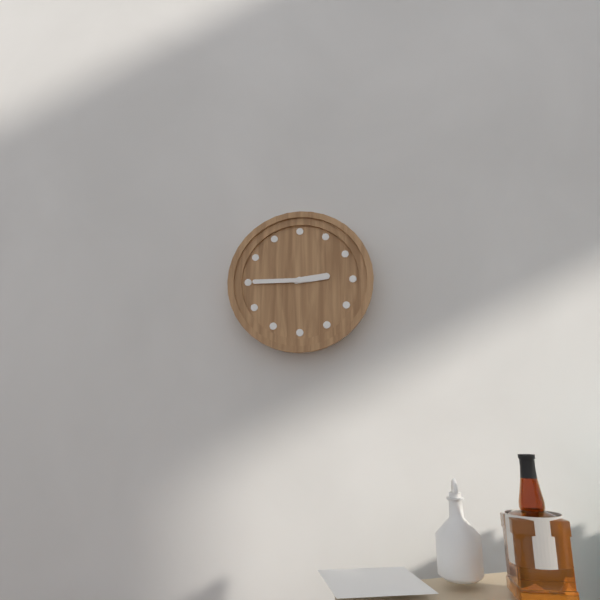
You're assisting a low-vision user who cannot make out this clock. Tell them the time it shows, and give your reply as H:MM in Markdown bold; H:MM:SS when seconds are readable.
**2:45**
